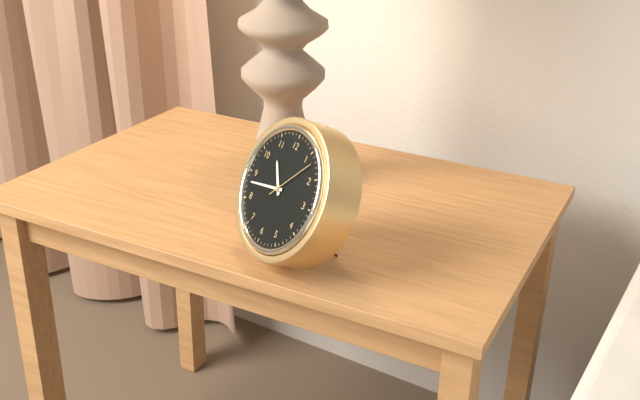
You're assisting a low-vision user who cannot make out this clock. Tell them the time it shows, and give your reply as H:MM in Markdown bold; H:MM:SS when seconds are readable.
**10:43:07**
